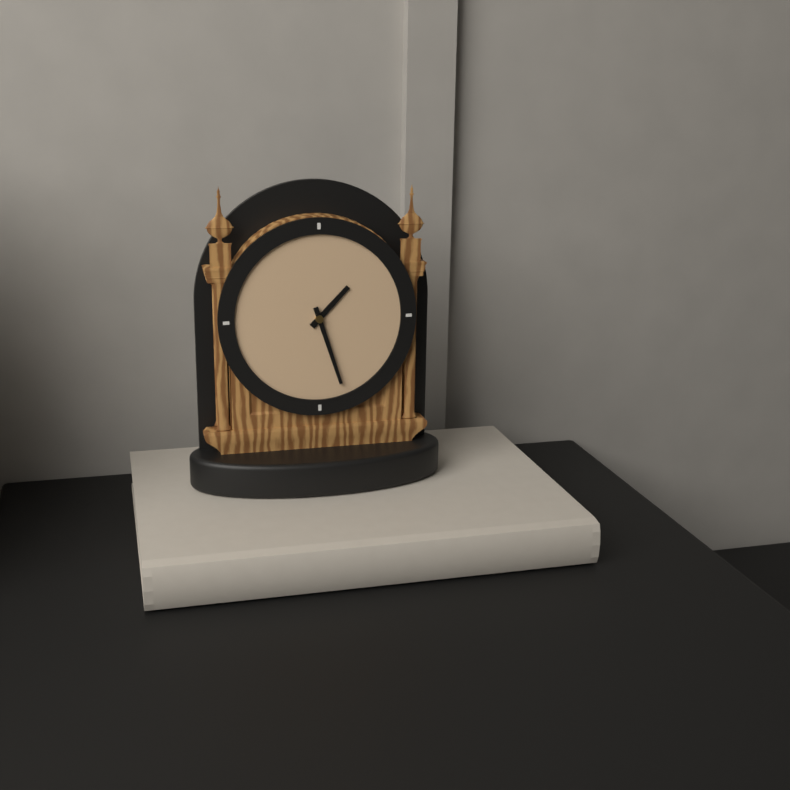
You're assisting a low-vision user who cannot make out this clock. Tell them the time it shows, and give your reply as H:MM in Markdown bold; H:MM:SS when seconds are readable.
**1:27**
